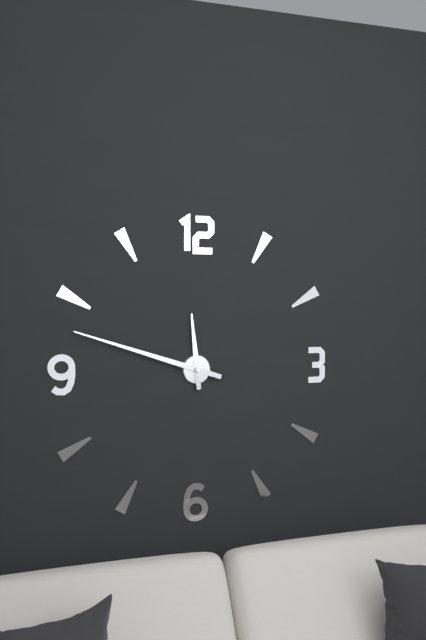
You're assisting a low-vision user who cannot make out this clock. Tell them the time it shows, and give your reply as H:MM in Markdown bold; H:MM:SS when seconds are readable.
**11:48**
